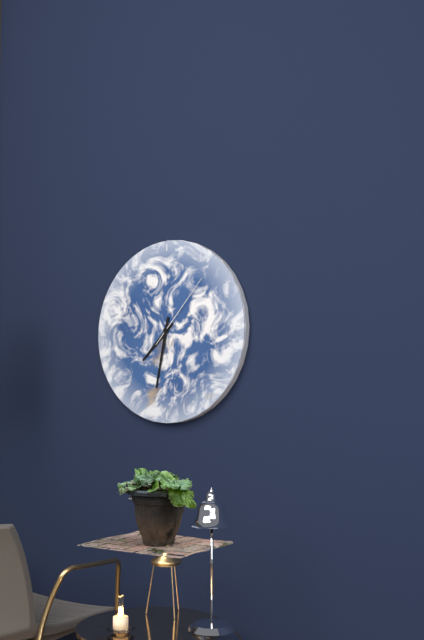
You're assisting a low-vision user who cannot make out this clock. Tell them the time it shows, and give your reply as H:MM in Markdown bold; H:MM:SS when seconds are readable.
**7:32:07**
